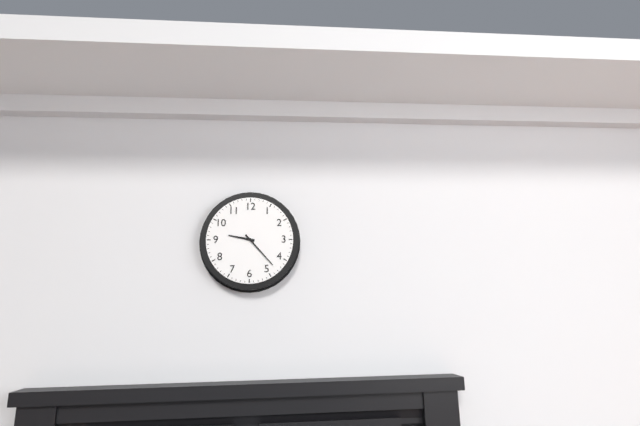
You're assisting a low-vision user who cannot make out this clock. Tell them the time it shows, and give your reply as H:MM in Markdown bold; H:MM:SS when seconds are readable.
**9:23**
